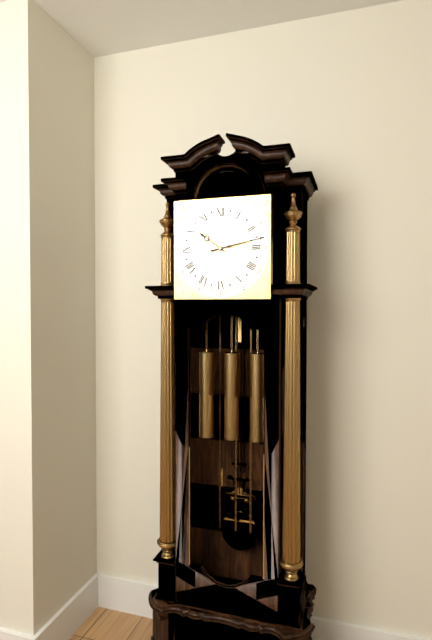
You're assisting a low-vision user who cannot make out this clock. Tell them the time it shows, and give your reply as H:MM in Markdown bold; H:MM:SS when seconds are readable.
**10:13**
